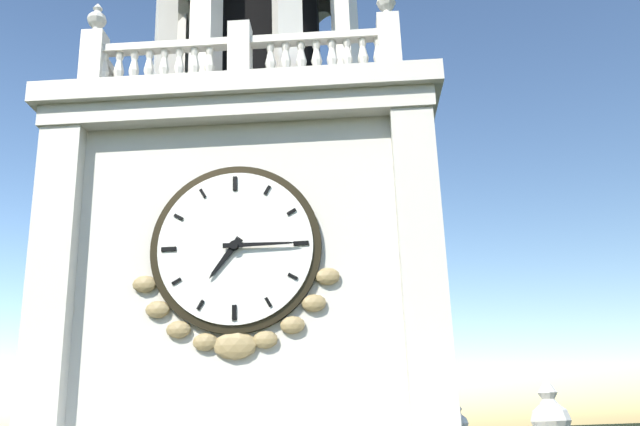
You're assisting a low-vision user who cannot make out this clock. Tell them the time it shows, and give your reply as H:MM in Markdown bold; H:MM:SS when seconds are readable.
**7:15**
